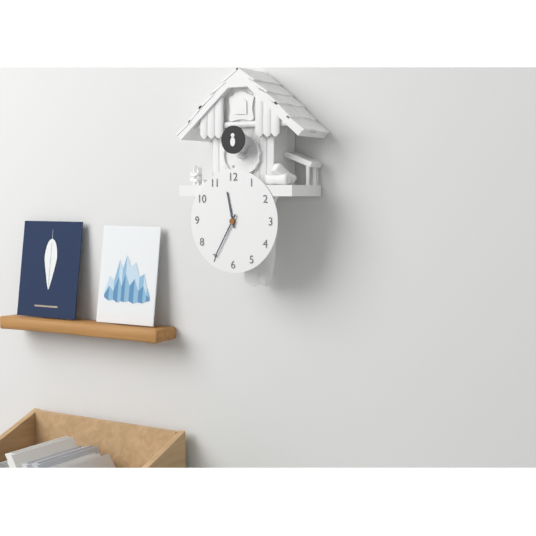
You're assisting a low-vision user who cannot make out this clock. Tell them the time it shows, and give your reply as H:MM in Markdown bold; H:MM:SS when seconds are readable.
**11:35**
